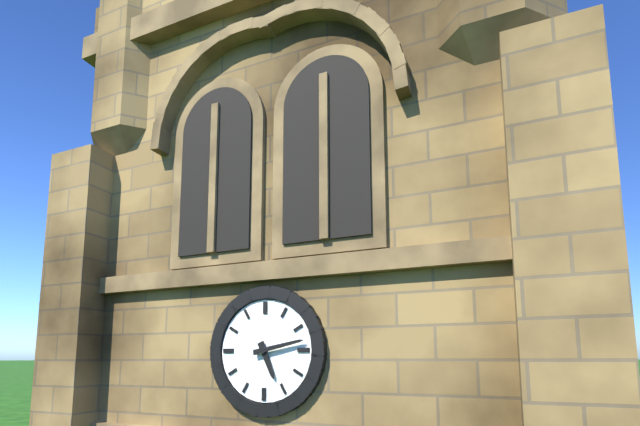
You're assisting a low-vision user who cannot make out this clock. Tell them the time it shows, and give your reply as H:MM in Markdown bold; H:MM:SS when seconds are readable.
**5:13**
